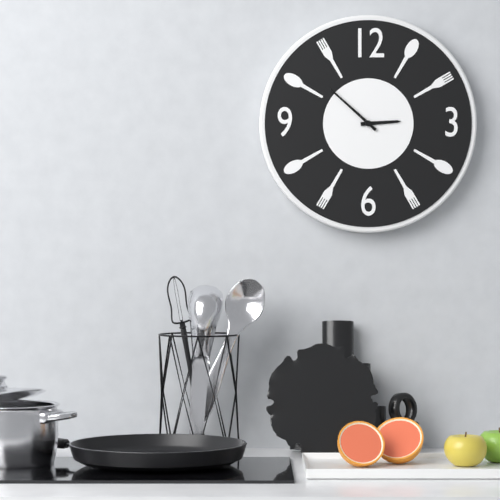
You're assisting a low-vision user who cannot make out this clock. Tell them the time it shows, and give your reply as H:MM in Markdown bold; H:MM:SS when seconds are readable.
**2:52**
